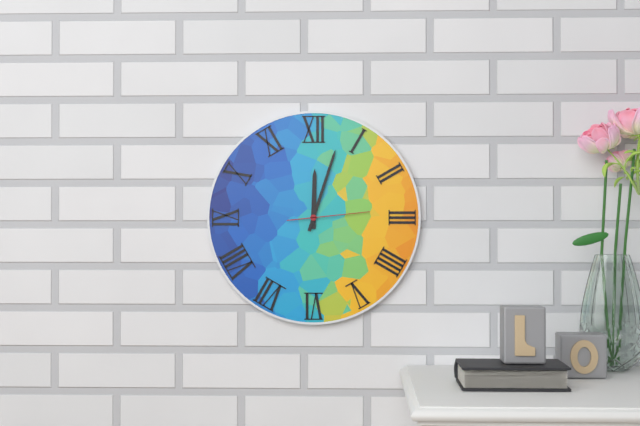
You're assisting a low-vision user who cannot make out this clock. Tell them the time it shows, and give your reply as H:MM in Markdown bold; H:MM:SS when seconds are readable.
**12:03:14**
